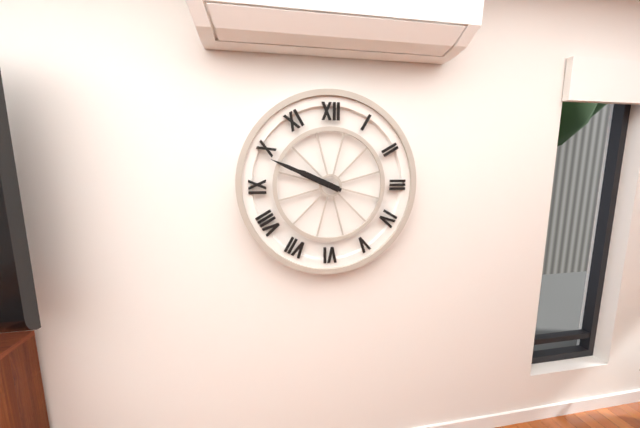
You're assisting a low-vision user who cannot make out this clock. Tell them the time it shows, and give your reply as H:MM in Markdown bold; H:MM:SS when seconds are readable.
**9:49**
